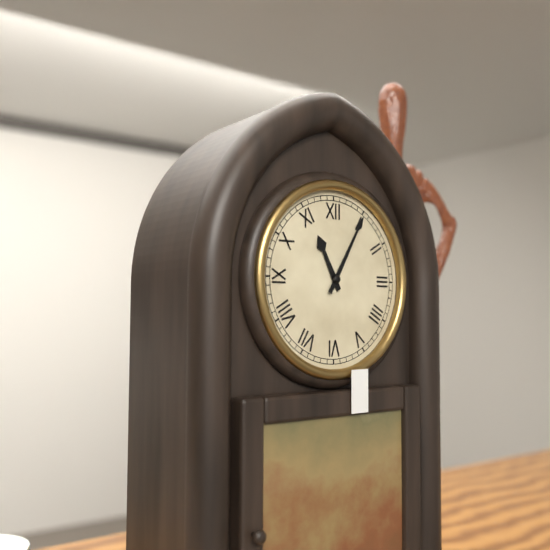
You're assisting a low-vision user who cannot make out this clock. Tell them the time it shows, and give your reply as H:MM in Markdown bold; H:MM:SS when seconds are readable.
**11:05**
